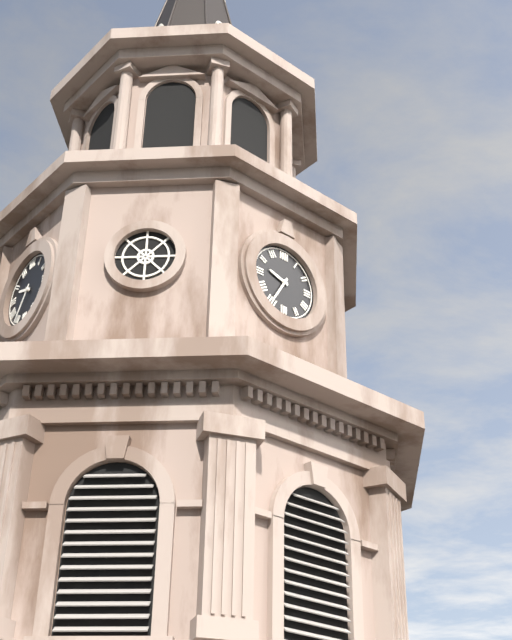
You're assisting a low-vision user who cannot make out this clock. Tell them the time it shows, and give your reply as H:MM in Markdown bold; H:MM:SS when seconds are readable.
**9:35**
